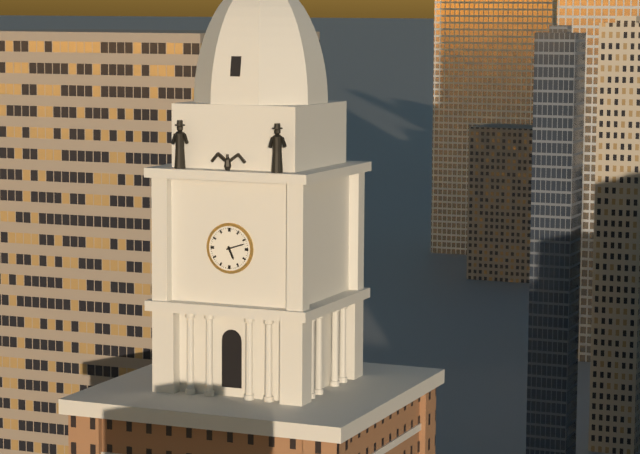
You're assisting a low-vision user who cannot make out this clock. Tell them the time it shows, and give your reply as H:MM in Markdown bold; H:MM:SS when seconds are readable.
**5:12**
